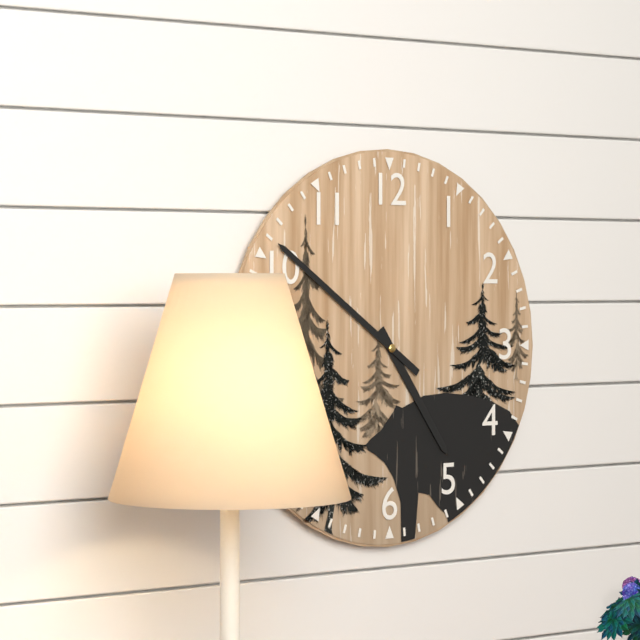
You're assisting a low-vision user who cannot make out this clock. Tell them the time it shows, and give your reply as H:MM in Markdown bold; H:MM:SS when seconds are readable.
**4:51**
